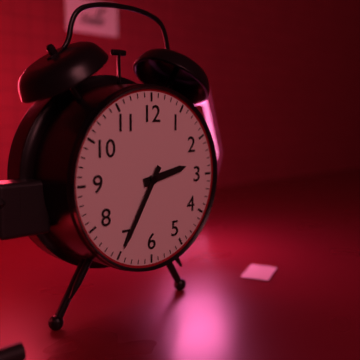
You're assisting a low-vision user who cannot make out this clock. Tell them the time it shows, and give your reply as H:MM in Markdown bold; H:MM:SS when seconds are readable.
**2:35**
